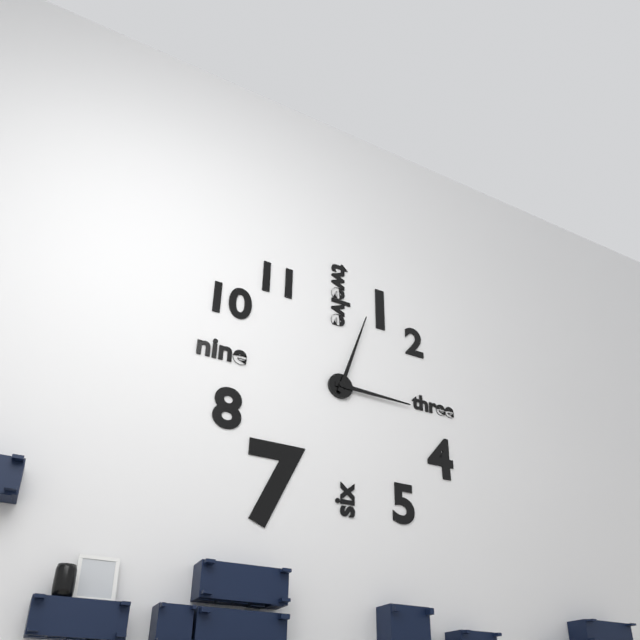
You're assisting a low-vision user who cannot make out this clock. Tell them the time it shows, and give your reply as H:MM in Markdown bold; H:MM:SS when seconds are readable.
**3:03**
